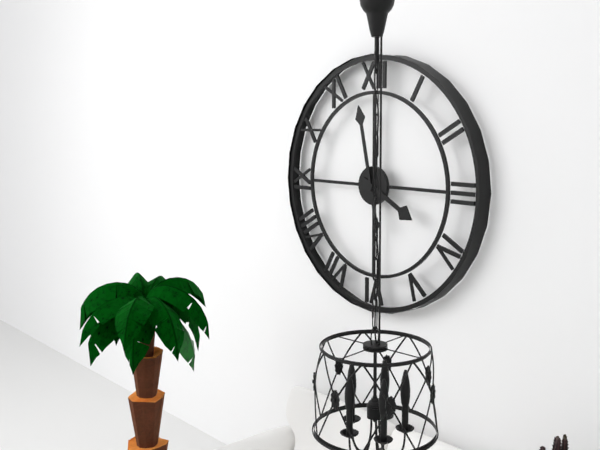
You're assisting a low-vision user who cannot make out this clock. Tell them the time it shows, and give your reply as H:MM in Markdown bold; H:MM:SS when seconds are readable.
**3:58**
